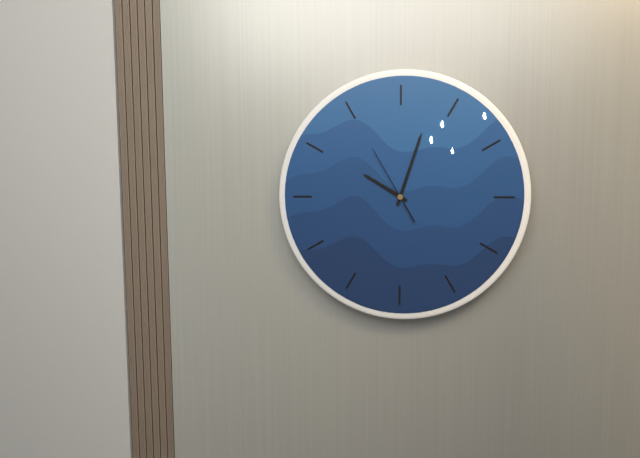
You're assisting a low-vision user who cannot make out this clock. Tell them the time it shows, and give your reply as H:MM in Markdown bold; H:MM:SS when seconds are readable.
**10:03:55**
